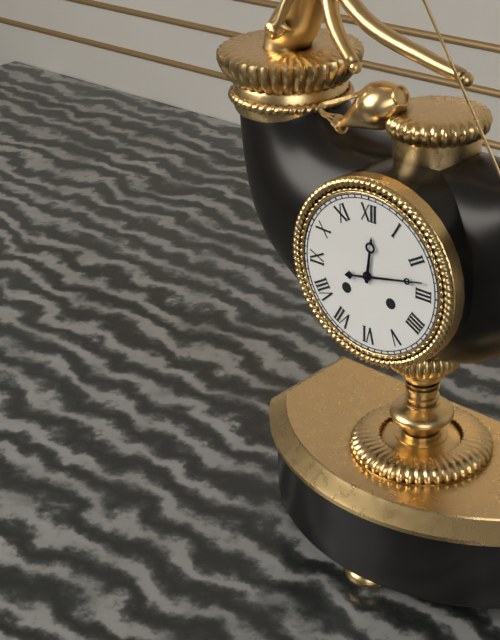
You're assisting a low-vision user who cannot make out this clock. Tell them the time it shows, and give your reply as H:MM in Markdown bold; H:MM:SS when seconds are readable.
**12:13**
